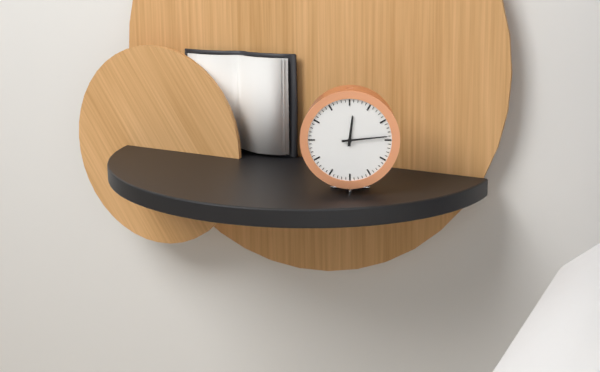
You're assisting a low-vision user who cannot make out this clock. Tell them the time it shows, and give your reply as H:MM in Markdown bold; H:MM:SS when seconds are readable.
**12:14**
